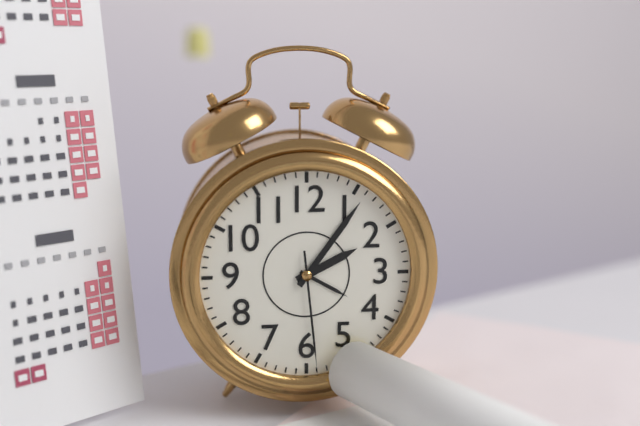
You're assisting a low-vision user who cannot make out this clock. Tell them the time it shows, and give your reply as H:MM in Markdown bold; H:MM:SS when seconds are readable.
**2:06:29**
